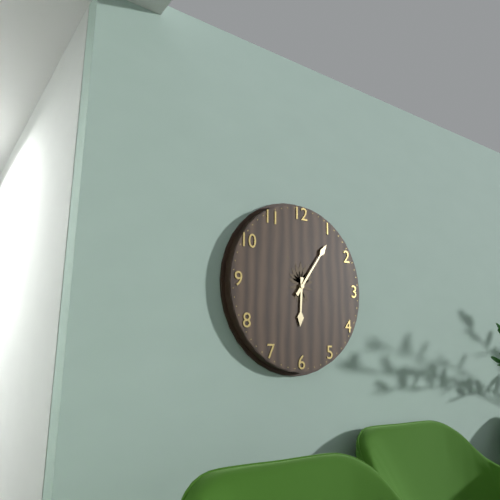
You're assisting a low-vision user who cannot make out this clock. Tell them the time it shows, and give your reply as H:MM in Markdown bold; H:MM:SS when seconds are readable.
**6:06**
